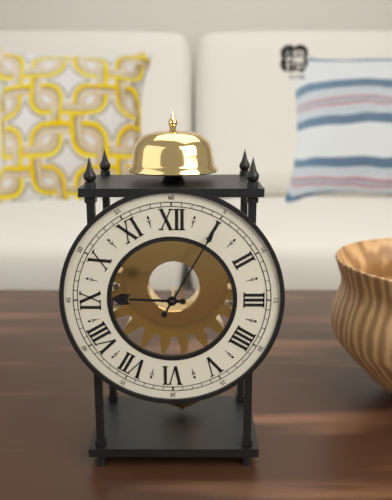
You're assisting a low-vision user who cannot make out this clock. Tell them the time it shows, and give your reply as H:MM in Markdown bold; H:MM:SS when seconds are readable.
**9:05**
